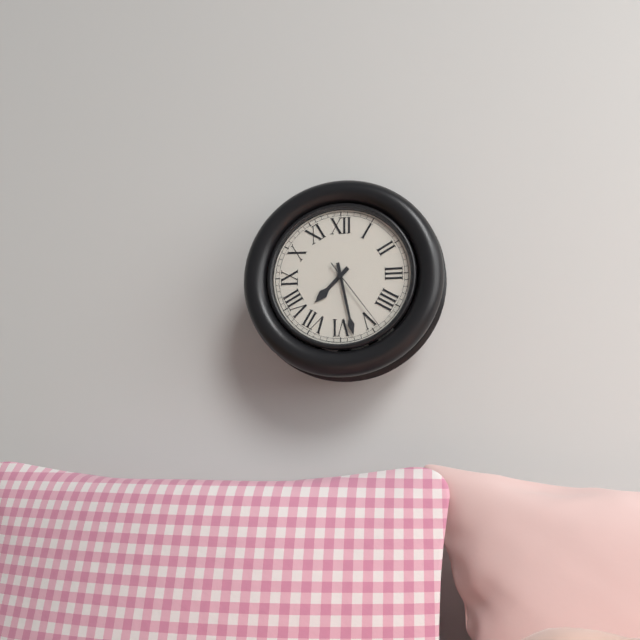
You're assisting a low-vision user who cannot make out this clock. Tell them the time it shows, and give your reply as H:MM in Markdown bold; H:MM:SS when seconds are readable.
**7:28:24**
